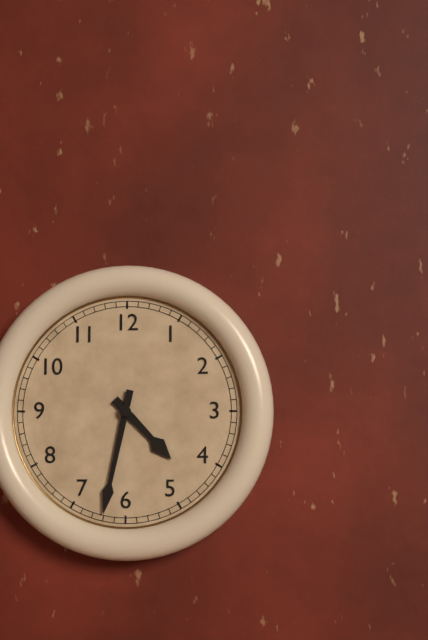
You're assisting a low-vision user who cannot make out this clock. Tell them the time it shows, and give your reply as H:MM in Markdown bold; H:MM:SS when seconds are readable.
**4:32**
